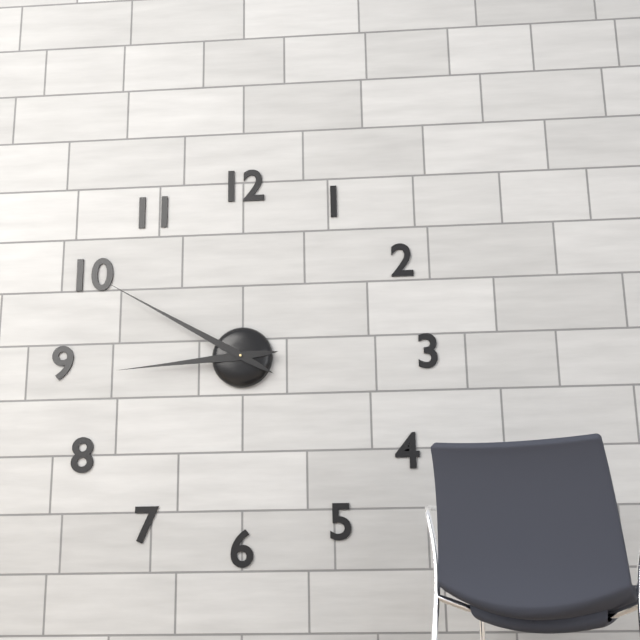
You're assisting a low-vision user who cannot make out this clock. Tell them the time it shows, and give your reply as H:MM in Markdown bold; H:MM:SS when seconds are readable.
**8:50**
